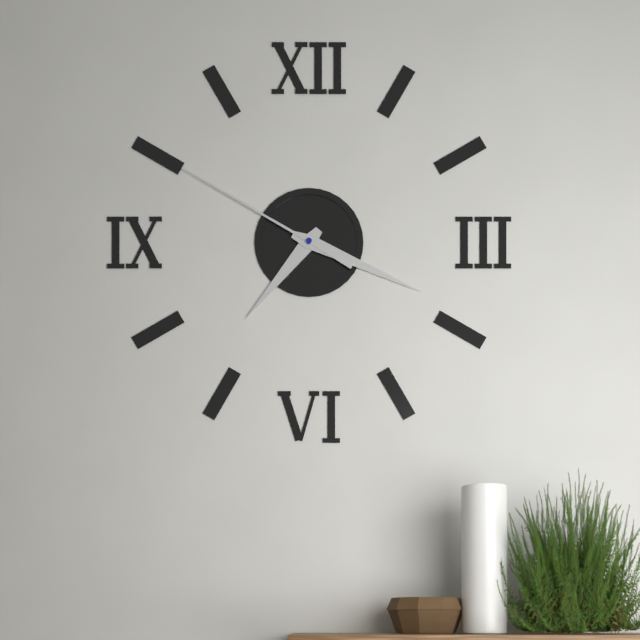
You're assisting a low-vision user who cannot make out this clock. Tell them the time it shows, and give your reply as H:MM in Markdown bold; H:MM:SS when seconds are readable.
**7:19:50**
